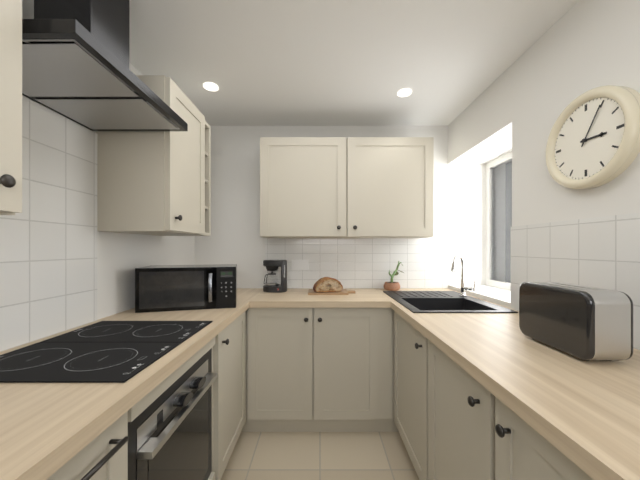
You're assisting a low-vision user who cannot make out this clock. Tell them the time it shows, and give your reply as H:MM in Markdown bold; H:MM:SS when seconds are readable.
**3:05**
